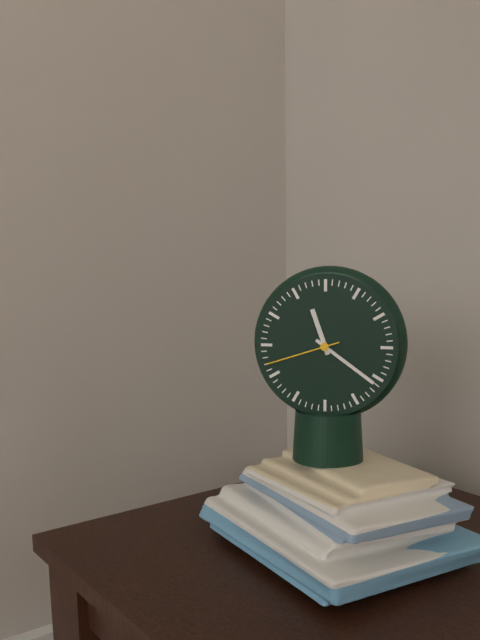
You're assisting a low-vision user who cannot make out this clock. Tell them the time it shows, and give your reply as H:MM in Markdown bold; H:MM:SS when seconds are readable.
**11:21:42**
